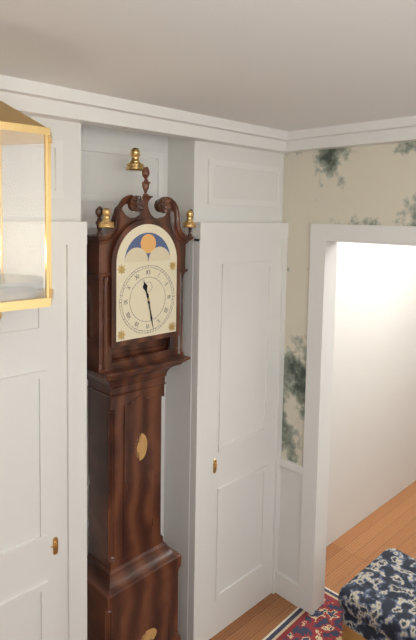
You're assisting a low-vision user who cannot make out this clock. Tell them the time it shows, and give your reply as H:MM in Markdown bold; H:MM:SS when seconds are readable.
**11:28**
